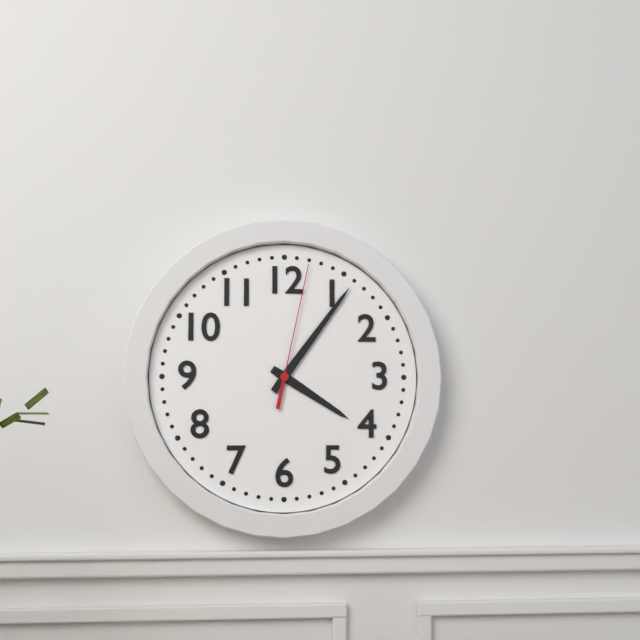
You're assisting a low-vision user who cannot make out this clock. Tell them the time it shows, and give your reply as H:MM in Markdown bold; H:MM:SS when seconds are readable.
**4:06:02**
